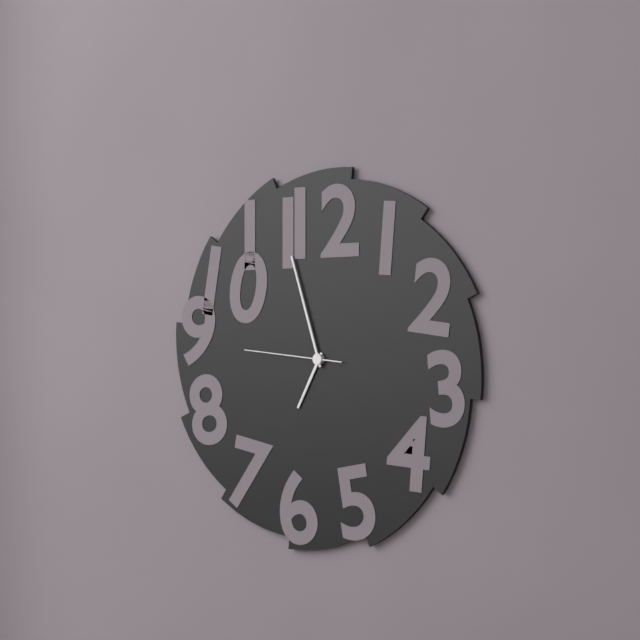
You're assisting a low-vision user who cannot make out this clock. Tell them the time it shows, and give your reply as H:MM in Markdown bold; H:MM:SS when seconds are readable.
**6:57:46**
